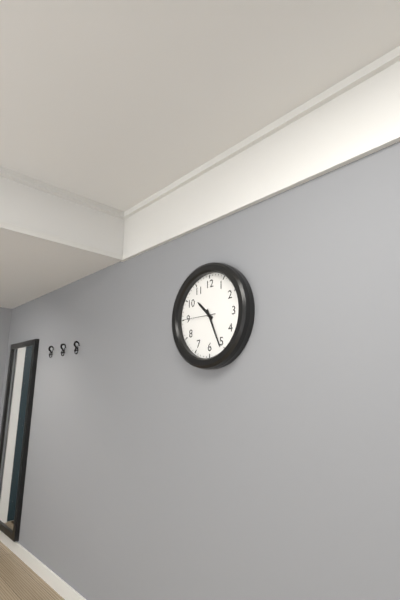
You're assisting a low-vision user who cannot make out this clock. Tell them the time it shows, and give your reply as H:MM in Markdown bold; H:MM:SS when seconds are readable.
**10:26**
